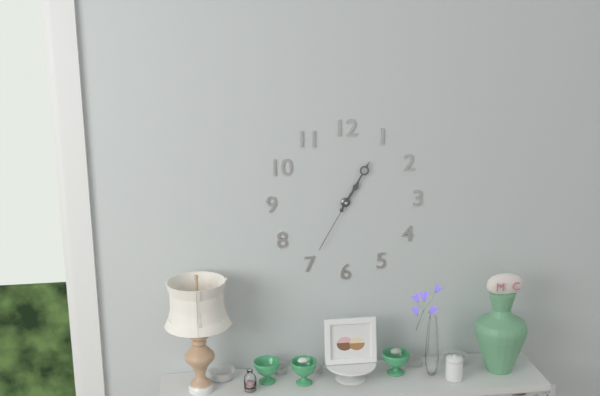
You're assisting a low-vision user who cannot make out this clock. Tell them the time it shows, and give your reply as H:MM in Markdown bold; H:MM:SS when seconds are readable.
**1:05:35**
